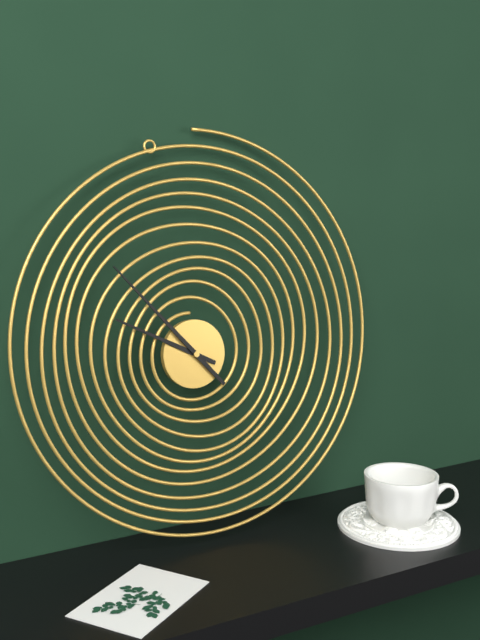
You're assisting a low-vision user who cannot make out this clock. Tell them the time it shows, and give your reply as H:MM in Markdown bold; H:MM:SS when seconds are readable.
**9:53**
